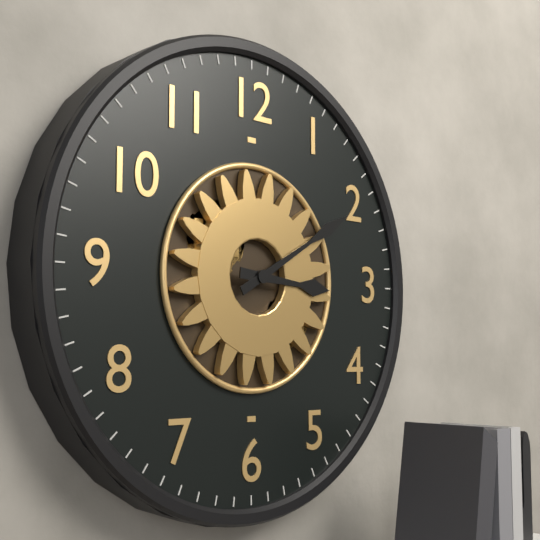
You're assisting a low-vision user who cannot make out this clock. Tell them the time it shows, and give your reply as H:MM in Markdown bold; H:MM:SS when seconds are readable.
**3:10**
